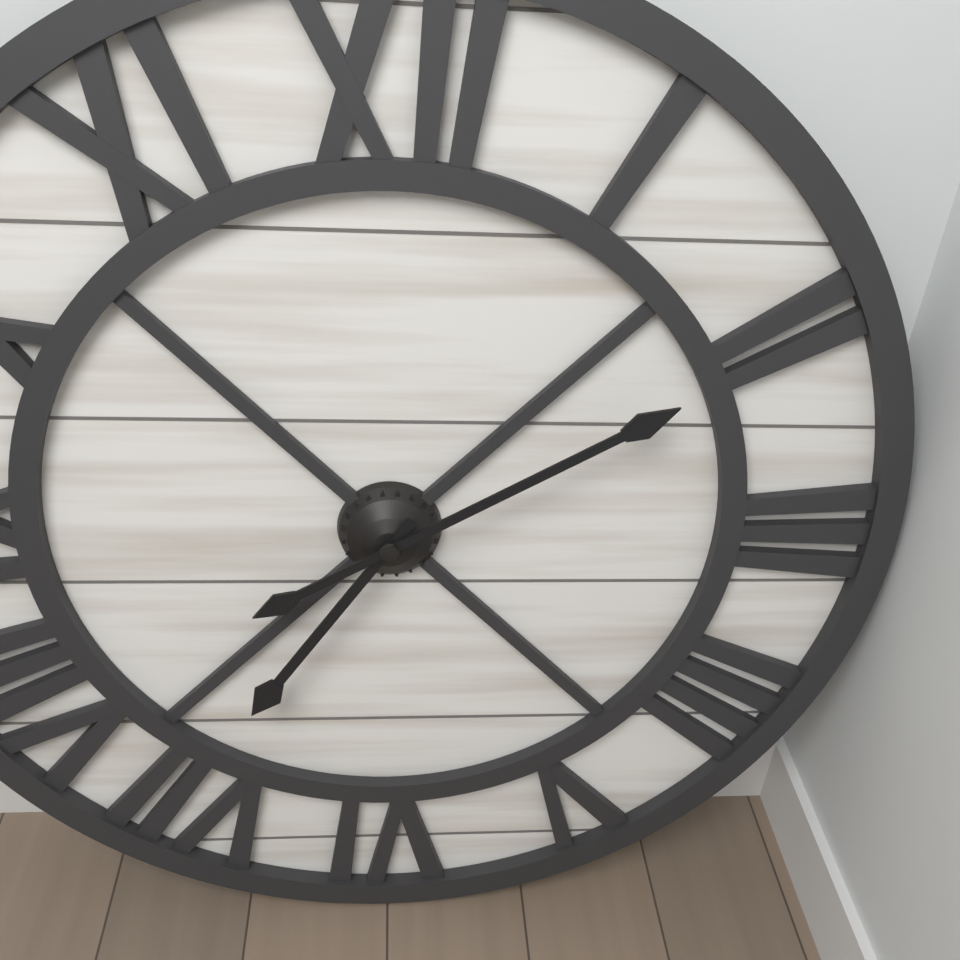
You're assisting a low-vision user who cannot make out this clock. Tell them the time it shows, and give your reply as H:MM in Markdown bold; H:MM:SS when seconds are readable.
**7:10**
